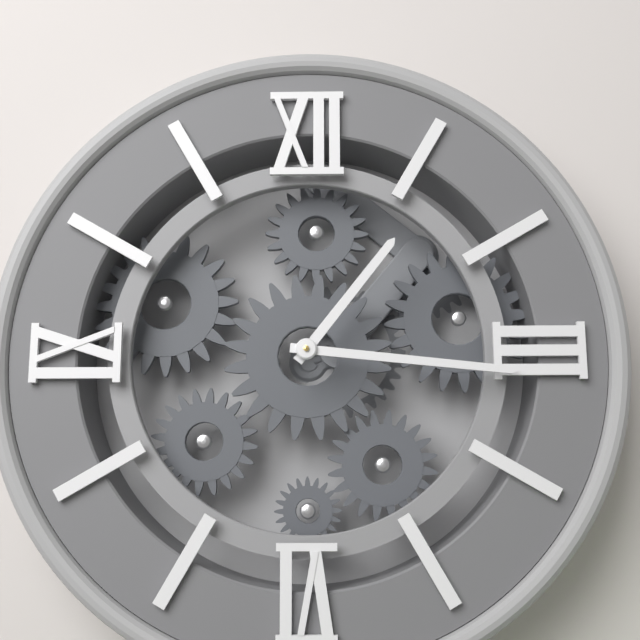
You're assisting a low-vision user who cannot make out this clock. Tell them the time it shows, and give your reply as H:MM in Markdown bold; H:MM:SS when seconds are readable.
**1:16**
